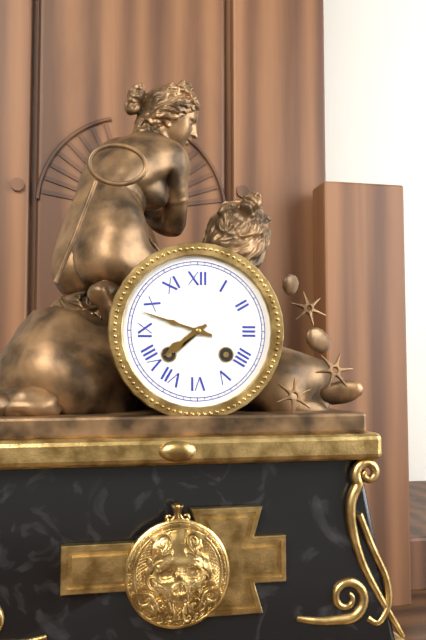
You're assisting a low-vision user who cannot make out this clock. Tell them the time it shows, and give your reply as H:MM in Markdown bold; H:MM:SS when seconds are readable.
**7:48**
